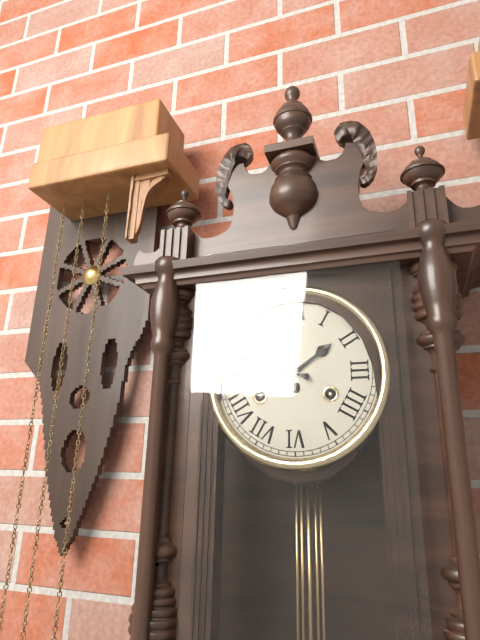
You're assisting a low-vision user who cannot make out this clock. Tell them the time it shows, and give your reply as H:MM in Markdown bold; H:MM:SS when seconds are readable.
**1:48**
